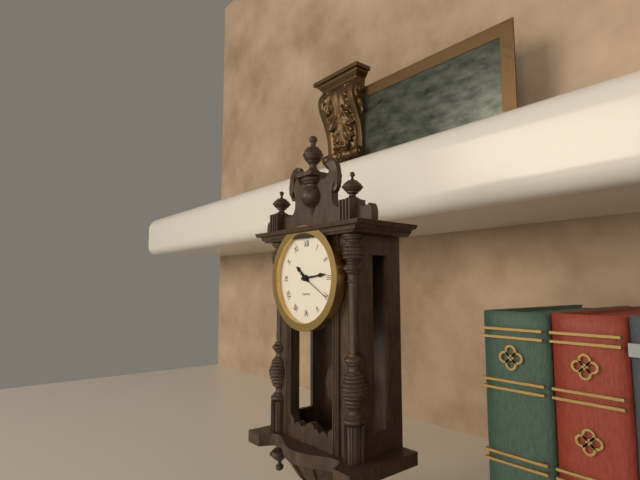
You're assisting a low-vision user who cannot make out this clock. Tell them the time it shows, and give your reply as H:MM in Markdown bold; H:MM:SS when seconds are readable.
**10:14**
